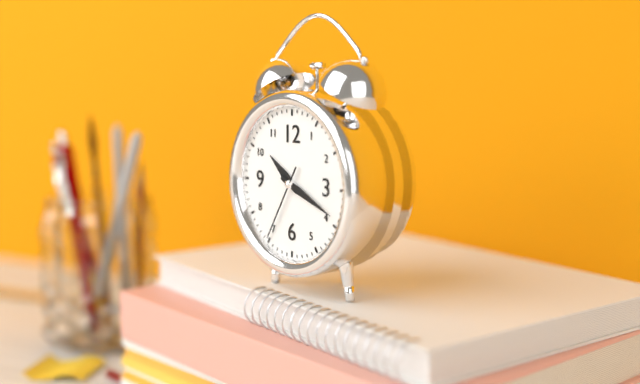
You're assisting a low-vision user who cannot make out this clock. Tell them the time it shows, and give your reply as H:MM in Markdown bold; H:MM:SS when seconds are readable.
**10:19:35**
